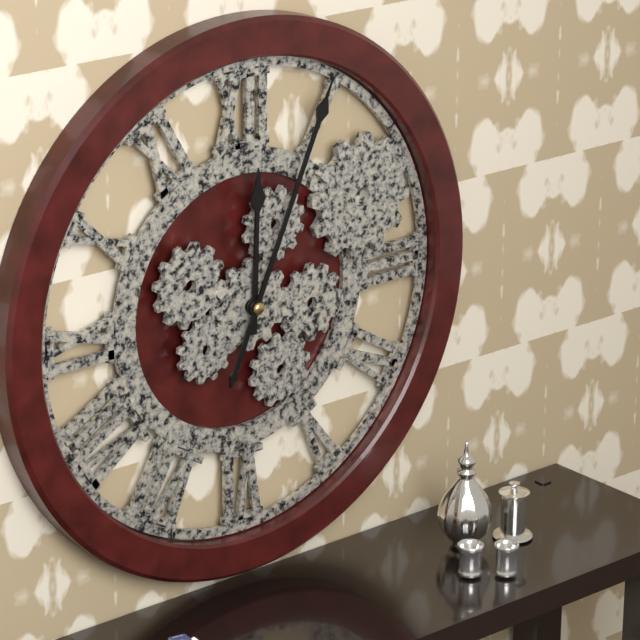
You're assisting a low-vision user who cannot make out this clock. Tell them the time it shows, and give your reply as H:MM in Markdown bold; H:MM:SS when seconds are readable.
**12:04**
